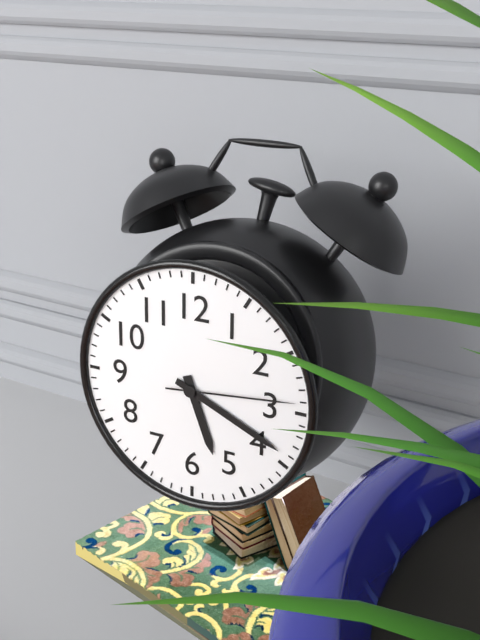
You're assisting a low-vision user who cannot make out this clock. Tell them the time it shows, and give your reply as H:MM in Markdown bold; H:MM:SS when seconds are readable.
**5:19:14**
